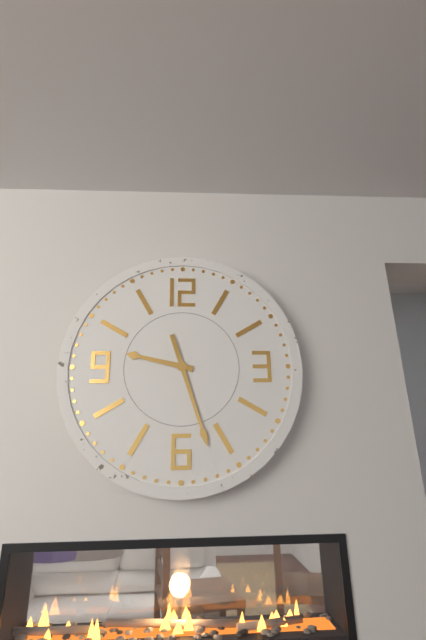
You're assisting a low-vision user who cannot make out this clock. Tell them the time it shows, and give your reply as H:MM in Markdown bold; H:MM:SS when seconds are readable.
**9:27**
